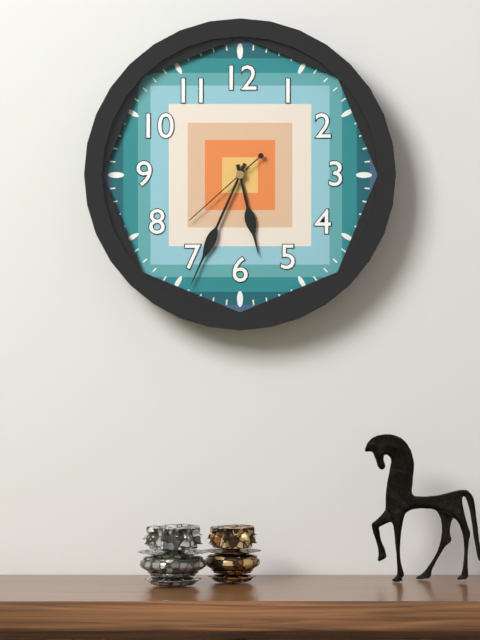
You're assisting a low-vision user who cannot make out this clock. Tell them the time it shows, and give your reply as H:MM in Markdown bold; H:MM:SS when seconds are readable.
**5:34:38**
